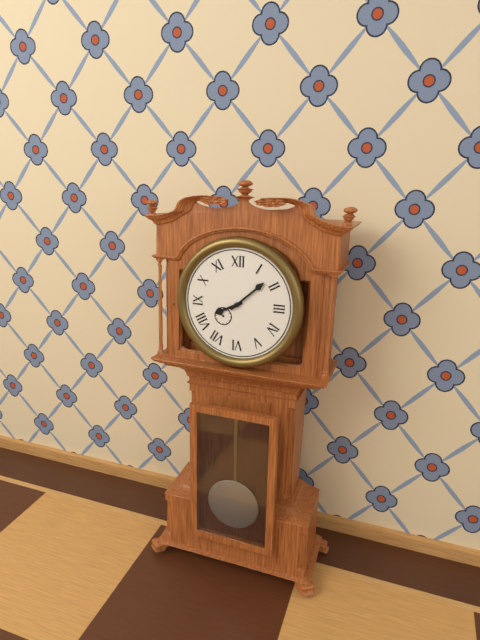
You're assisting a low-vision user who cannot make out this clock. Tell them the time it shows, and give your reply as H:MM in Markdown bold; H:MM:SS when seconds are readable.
**8:08**
